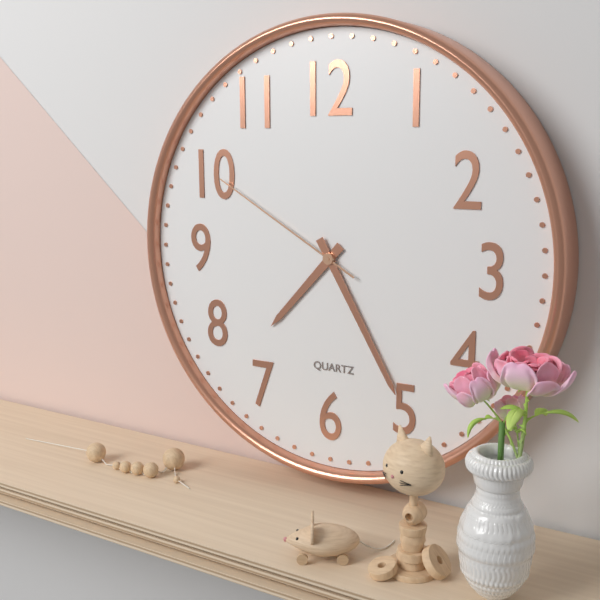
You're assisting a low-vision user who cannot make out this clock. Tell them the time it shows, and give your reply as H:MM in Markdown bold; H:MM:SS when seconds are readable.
**7:25:50**
